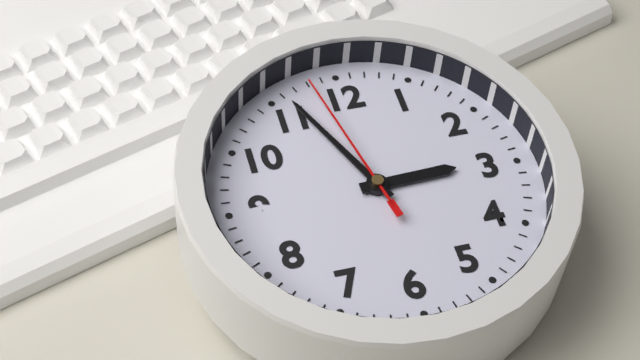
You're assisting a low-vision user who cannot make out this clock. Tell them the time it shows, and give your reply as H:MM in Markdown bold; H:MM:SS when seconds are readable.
**2:56:58**
